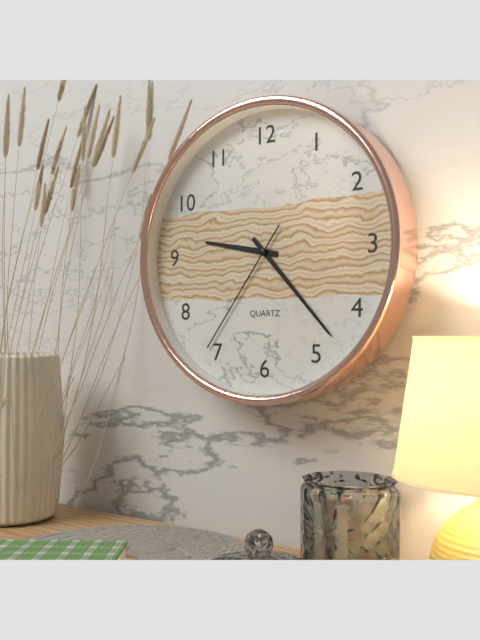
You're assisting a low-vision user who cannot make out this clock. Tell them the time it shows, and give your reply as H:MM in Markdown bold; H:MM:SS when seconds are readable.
**9:23:36**
